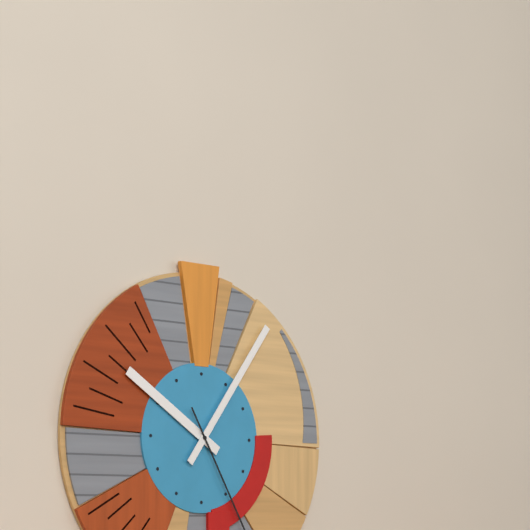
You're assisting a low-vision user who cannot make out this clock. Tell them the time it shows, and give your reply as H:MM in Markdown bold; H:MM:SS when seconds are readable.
**10:06**
